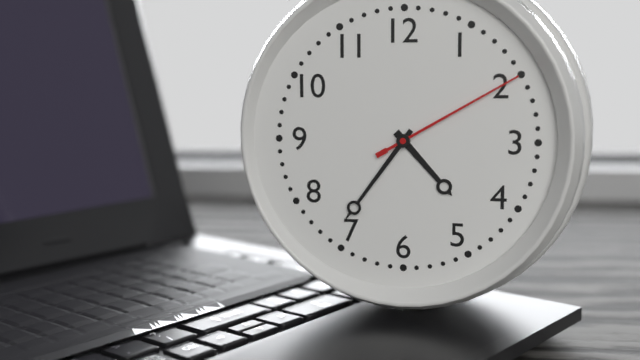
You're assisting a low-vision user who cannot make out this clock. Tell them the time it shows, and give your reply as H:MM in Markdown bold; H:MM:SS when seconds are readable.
**4:36:10**
